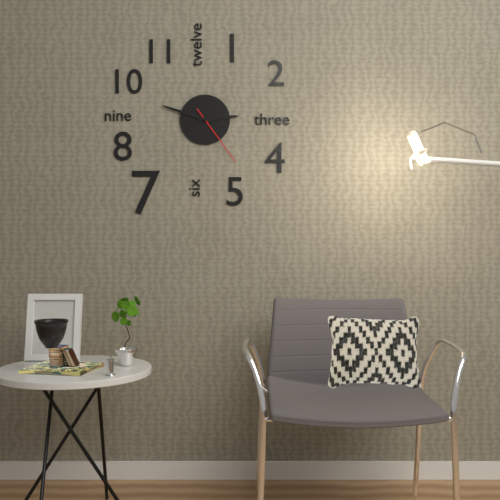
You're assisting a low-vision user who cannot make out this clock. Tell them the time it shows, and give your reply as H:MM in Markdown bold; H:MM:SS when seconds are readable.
**2:48:24**
